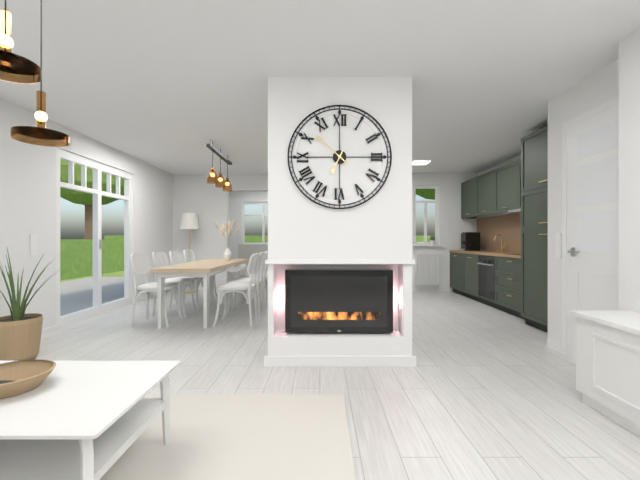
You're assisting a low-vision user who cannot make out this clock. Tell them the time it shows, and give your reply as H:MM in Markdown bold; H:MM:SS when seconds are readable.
**6:52**
